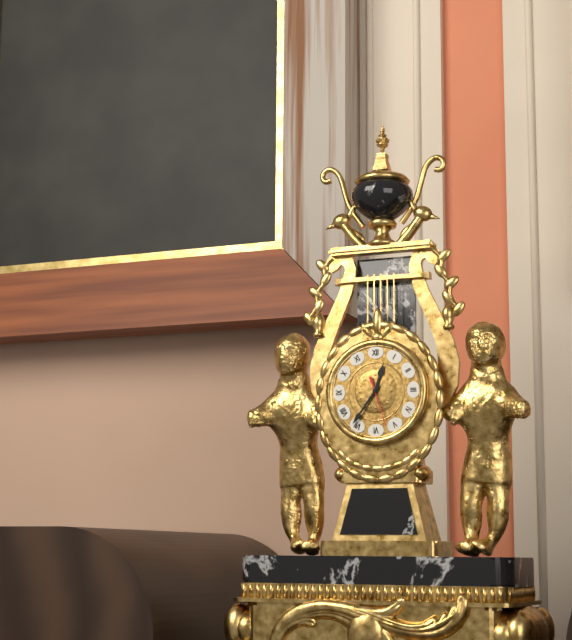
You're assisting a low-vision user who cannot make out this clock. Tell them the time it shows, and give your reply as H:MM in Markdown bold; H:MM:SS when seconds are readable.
**12:36**
